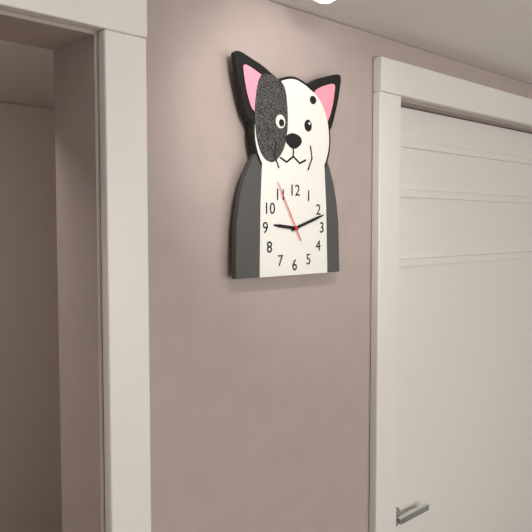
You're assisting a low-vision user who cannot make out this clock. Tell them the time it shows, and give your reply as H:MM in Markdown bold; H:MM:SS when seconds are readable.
**9:12:55**
